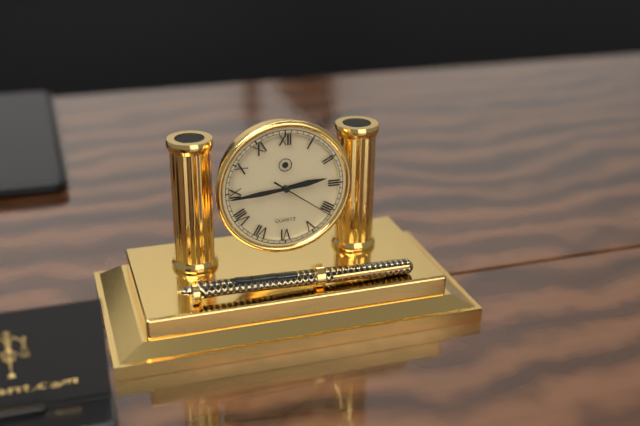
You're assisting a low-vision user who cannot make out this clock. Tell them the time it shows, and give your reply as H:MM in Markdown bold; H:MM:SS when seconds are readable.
**2:44:21**
